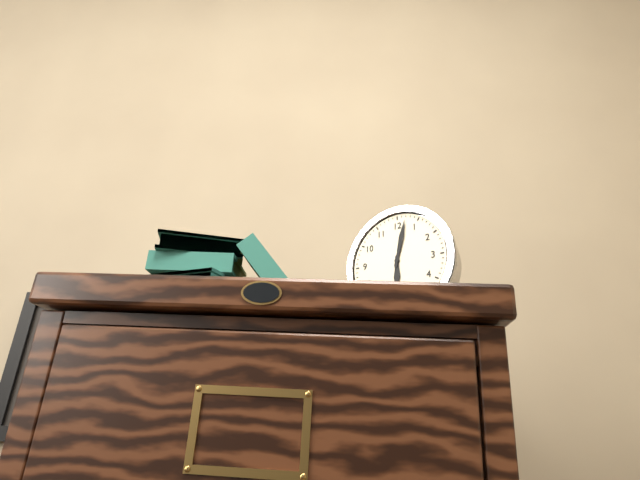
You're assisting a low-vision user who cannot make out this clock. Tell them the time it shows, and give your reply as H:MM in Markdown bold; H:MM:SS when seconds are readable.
**6:02**
